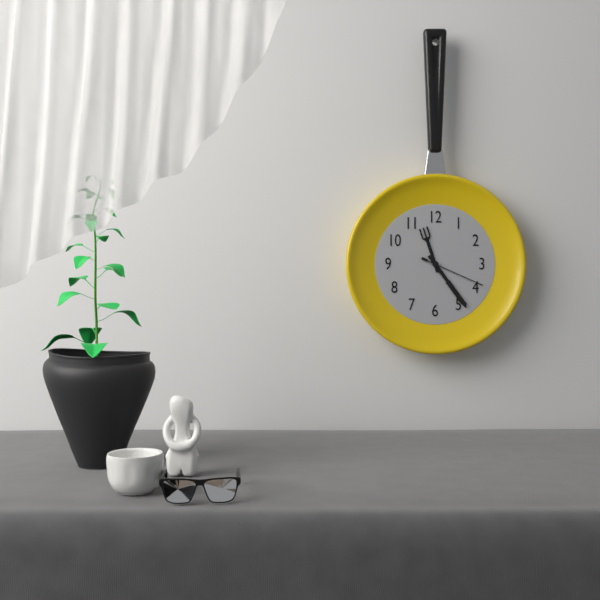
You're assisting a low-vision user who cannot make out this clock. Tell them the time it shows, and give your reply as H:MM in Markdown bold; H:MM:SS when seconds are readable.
**11:24:19**
